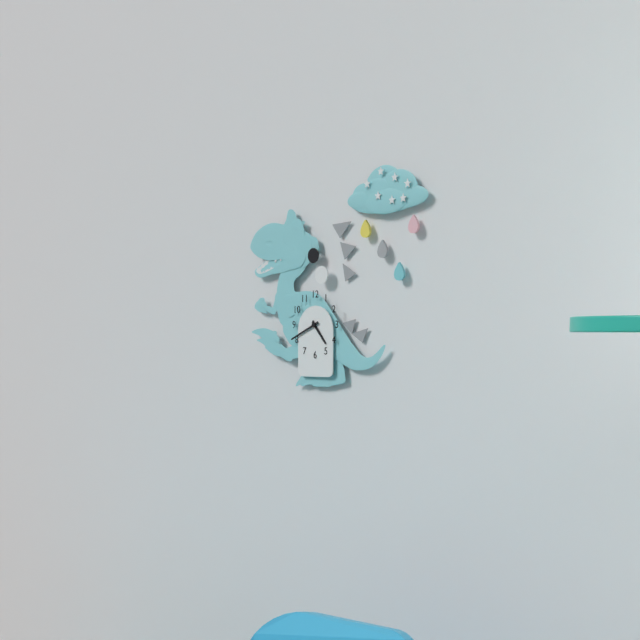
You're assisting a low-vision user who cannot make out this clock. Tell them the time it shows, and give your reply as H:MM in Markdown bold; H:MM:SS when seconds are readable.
**4:41**
